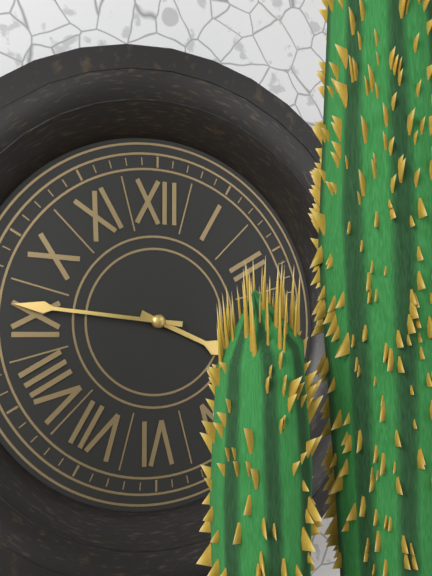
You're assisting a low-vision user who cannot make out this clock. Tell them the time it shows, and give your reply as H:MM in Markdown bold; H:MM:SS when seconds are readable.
**3:46**
